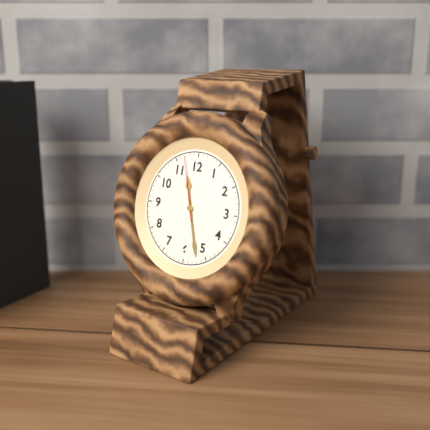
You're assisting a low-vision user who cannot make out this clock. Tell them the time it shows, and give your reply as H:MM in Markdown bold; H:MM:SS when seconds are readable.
**11:27:57**
